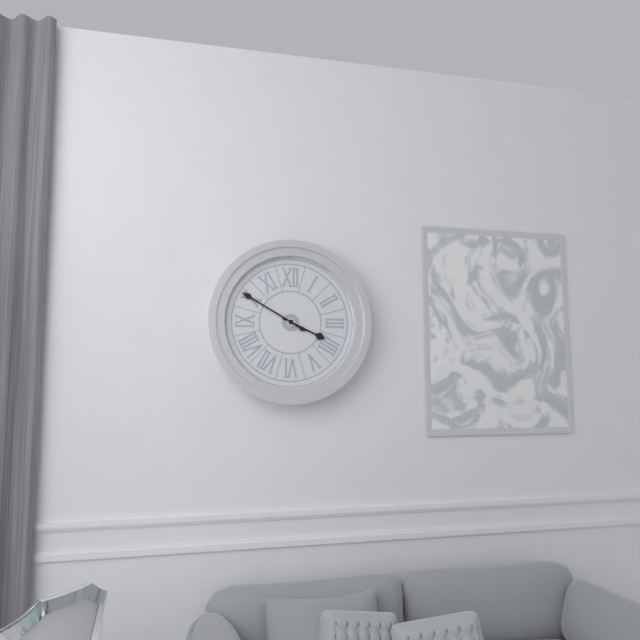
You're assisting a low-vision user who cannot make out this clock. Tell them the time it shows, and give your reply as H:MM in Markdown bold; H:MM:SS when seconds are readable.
**3:50**
